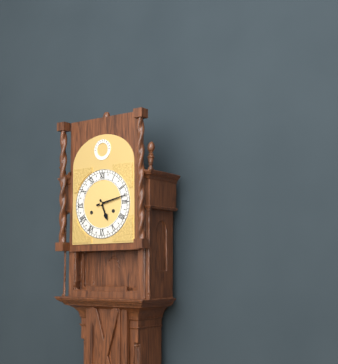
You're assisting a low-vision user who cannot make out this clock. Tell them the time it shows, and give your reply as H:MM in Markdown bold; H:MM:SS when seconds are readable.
**5:13**
